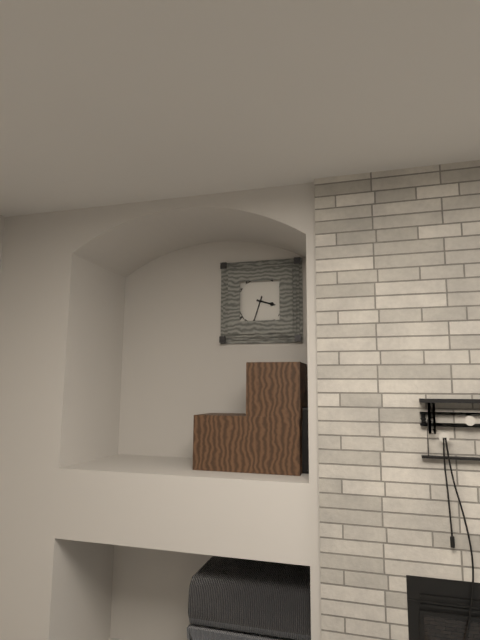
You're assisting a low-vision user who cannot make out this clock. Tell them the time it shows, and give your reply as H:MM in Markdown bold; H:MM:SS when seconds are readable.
**3:33**
